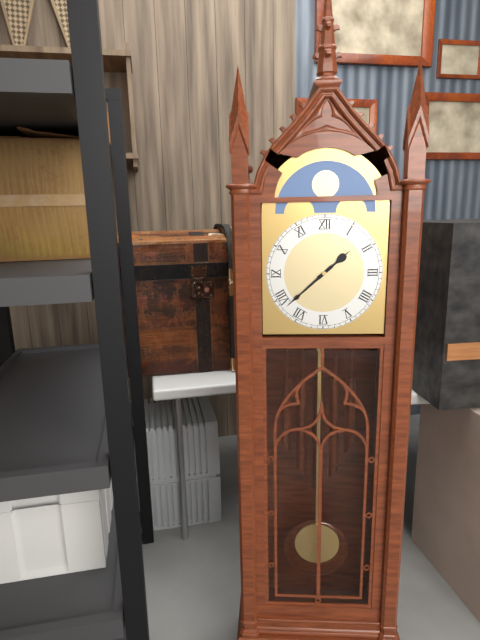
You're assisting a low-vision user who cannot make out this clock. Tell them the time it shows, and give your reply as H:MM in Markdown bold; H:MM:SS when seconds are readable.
**1:38**
